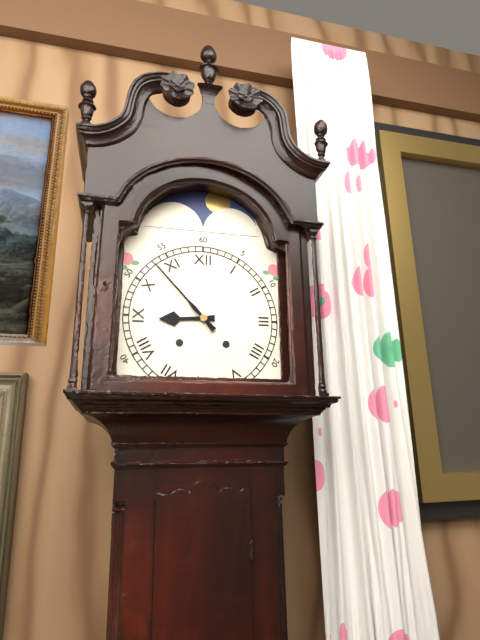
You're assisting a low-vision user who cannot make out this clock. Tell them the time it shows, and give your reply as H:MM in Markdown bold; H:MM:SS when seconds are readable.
**8:53**
